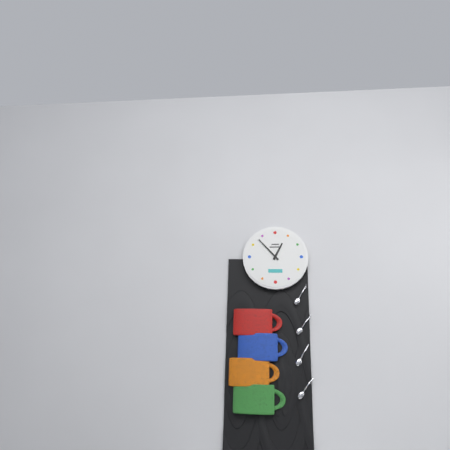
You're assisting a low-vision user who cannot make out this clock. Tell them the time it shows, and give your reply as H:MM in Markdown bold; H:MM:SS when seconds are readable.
**12:53**
